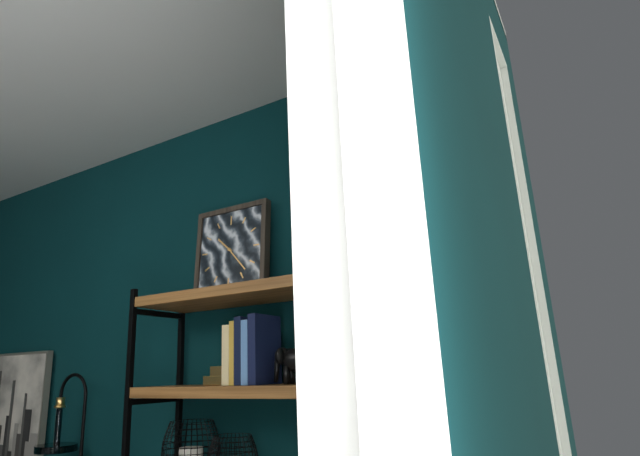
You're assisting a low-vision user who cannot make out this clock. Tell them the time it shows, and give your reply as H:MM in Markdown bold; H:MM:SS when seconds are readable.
**10:23**
